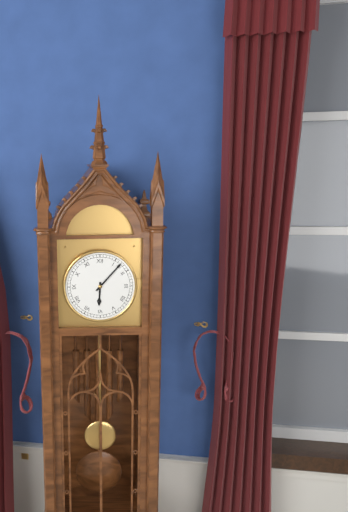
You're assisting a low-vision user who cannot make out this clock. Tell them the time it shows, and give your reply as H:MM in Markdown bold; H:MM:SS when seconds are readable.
**6:07**
